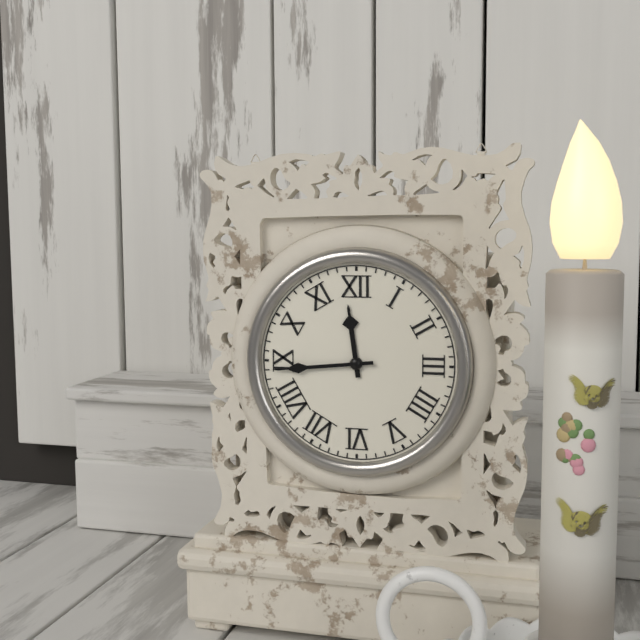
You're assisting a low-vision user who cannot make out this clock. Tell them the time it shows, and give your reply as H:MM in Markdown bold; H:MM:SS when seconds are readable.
**11:44**
